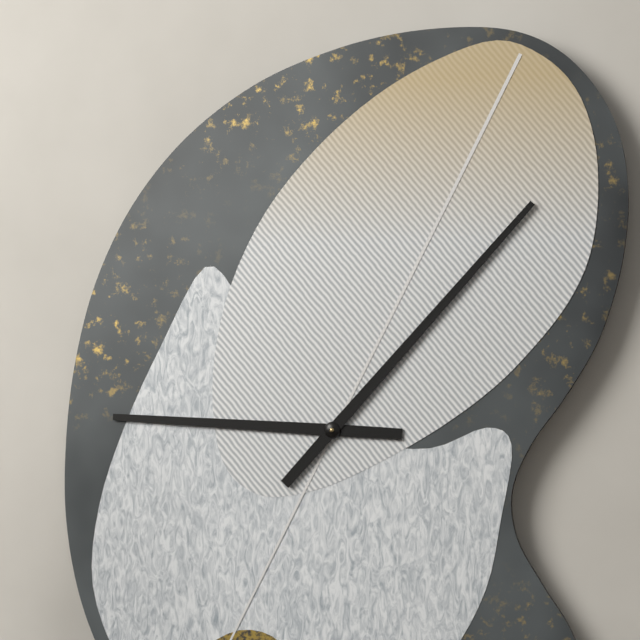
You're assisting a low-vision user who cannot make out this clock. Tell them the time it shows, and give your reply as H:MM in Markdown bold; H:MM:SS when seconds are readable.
**9:07**
